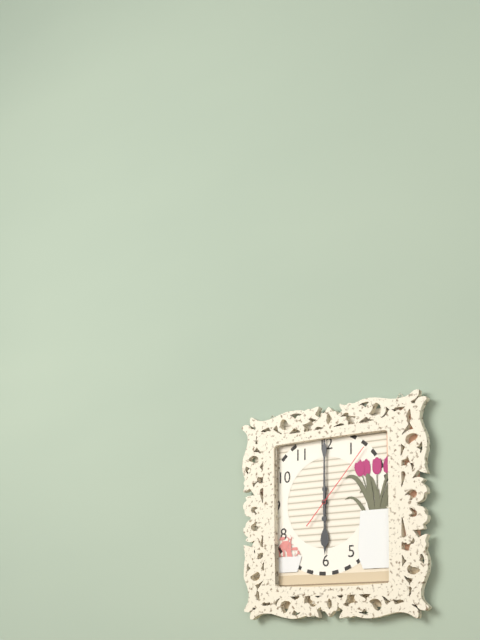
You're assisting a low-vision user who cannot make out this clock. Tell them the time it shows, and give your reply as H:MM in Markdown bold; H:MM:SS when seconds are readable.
**6:00:07**
